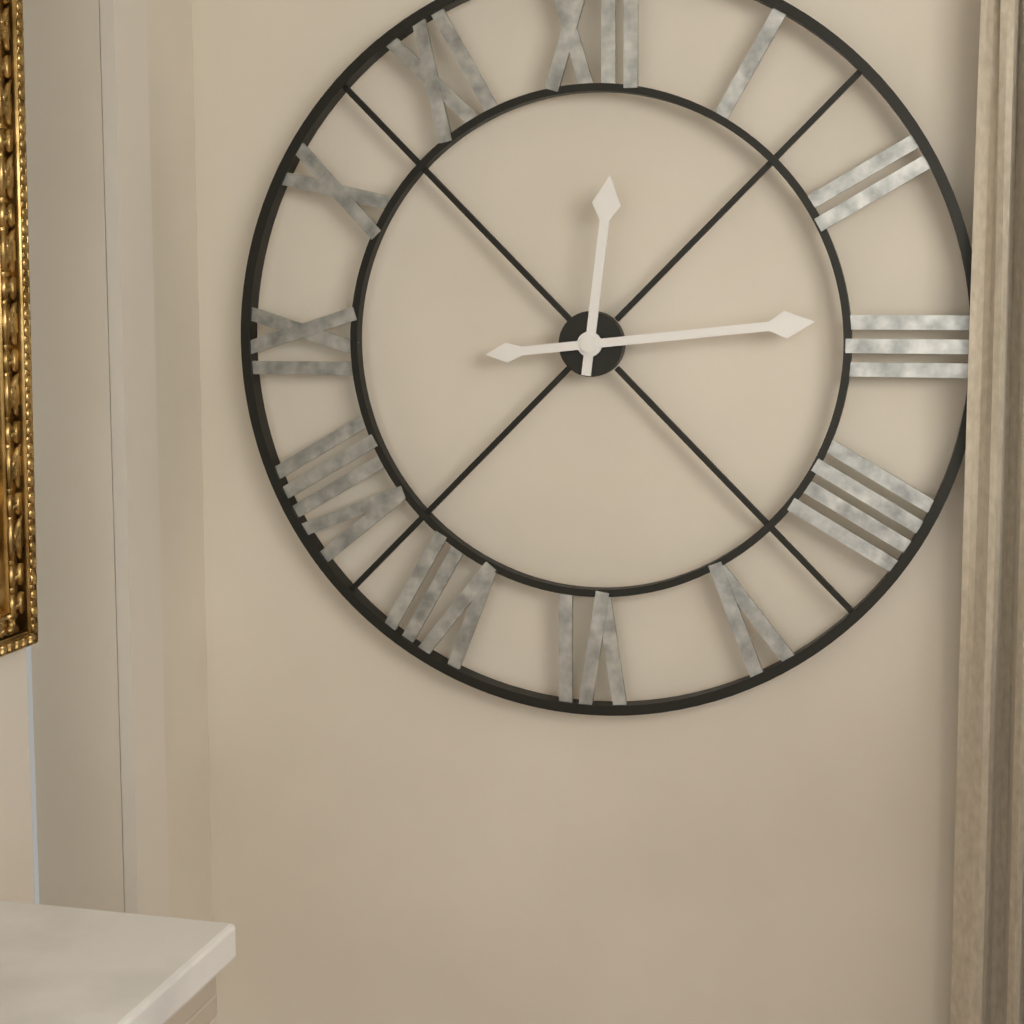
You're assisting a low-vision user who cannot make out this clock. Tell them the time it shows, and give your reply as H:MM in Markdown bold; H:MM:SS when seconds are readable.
**12:14**
